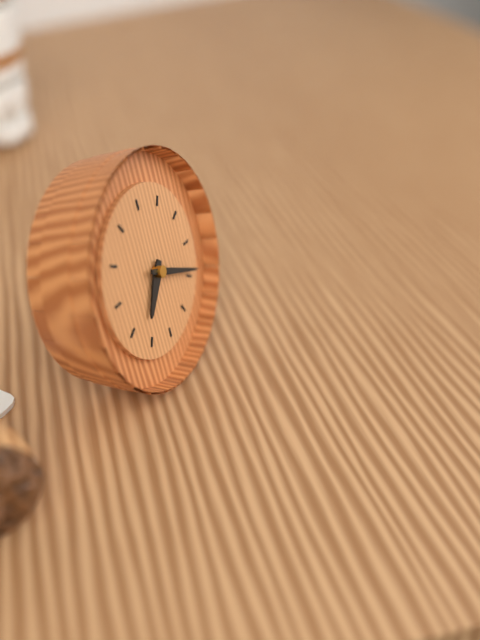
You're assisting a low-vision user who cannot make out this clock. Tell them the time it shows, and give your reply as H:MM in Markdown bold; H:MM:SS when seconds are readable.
**7:19**
